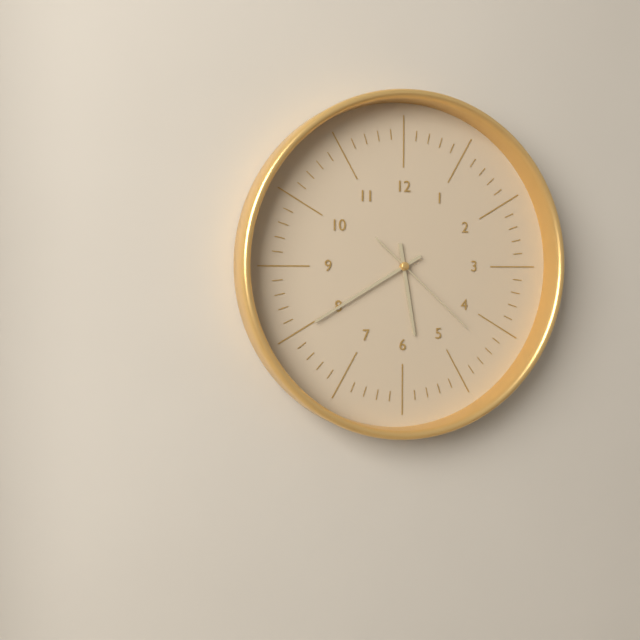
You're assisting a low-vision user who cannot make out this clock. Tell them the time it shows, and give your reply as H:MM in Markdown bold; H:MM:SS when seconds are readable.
**5:40:22**
